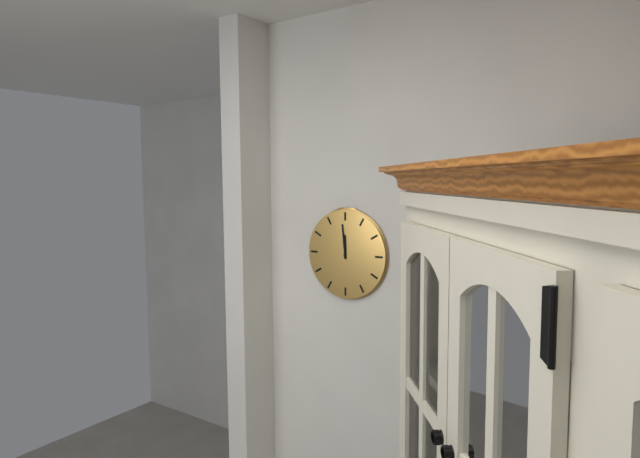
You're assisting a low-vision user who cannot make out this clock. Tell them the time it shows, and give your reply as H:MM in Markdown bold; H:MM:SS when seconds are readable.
**11:59**
